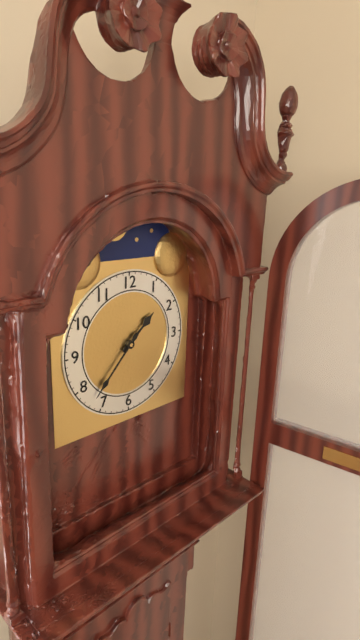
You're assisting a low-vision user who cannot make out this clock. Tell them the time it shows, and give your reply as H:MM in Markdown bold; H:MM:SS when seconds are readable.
**1:37**
